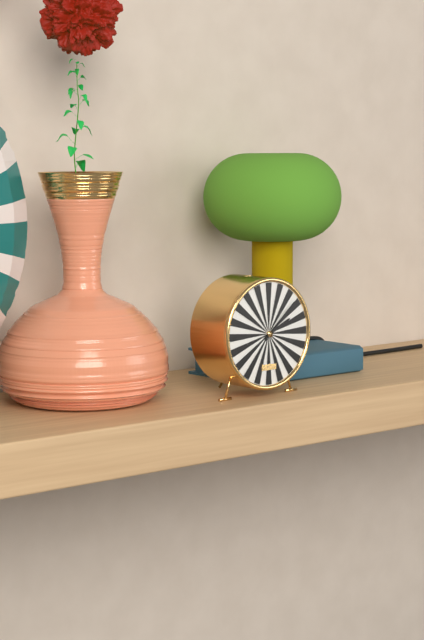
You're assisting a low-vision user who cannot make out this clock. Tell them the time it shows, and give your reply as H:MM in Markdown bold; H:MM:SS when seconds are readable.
**2:08**
